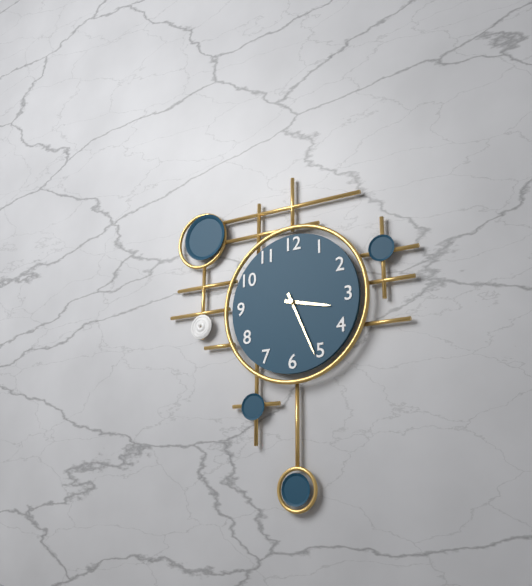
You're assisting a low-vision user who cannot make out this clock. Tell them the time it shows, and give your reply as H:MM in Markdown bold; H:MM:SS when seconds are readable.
**3:26**
